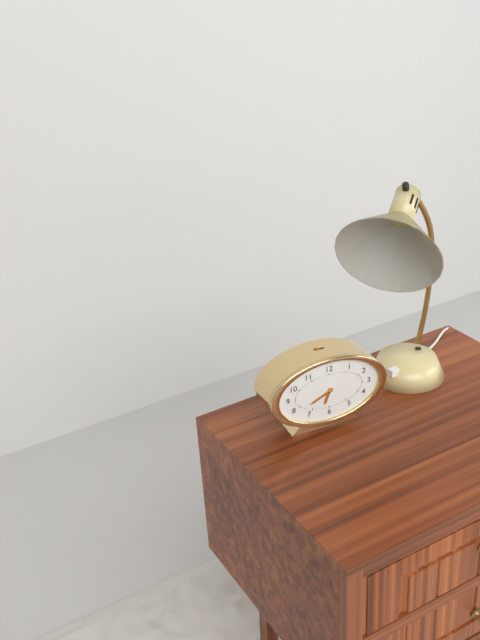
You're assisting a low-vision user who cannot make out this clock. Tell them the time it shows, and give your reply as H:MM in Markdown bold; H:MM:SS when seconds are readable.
**6:41**
